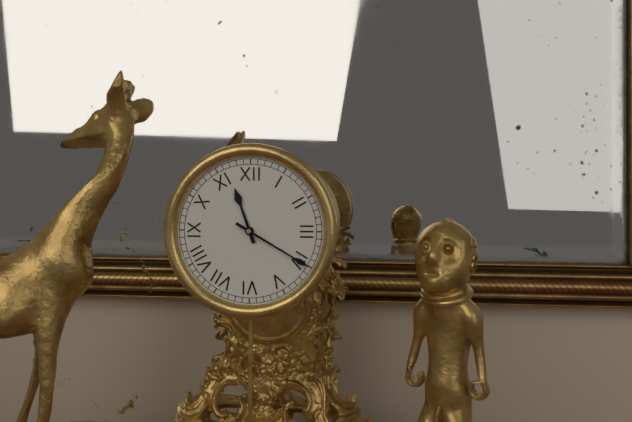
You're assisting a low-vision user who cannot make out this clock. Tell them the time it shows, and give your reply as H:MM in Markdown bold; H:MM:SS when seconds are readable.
**11:20**
